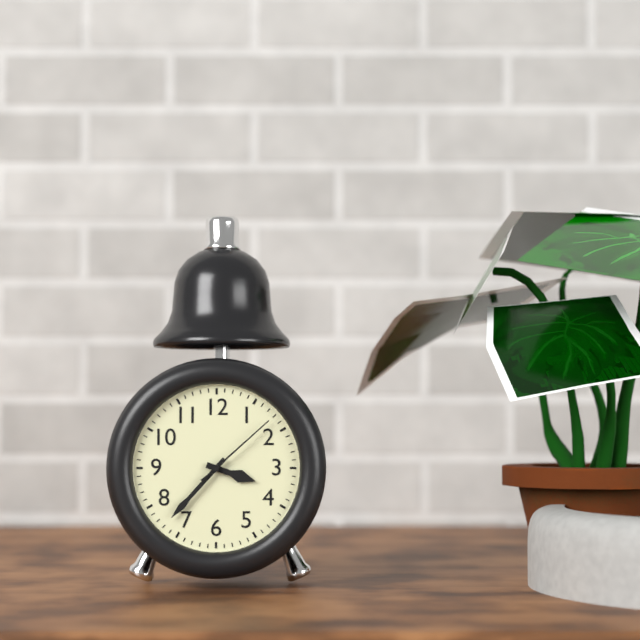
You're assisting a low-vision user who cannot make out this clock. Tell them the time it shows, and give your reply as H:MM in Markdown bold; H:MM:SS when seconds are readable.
**3:37:08**
